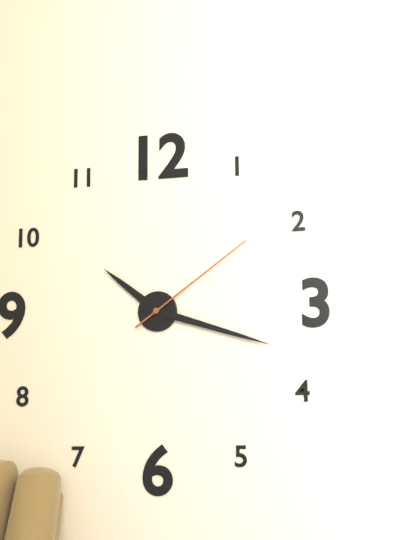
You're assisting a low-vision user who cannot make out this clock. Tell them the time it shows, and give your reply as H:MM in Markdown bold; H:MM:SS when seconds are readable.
**10:18:09**
